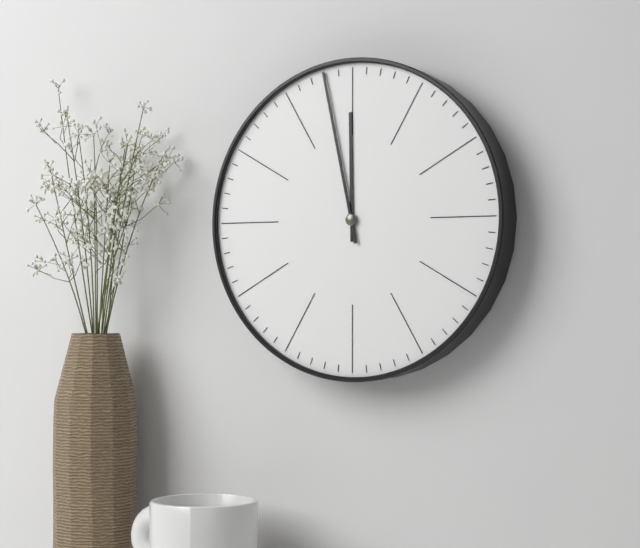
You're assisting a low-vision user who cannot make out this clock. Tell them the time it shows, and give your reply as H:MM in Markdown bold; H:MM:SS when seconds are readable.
**11:58**
